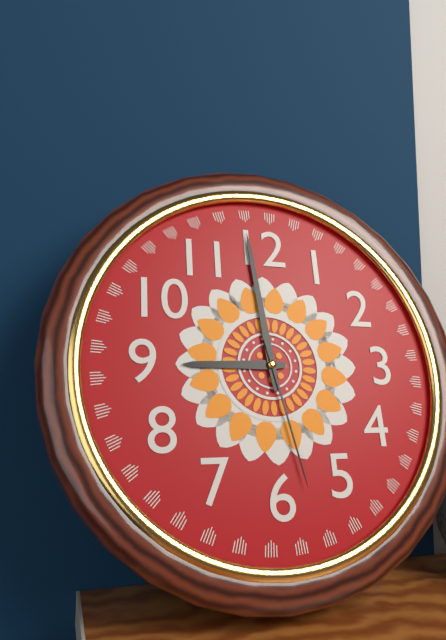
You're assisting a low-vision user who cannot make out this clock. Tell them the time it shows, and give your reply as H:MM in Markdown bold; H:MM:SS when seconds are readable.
**8:59:28**
